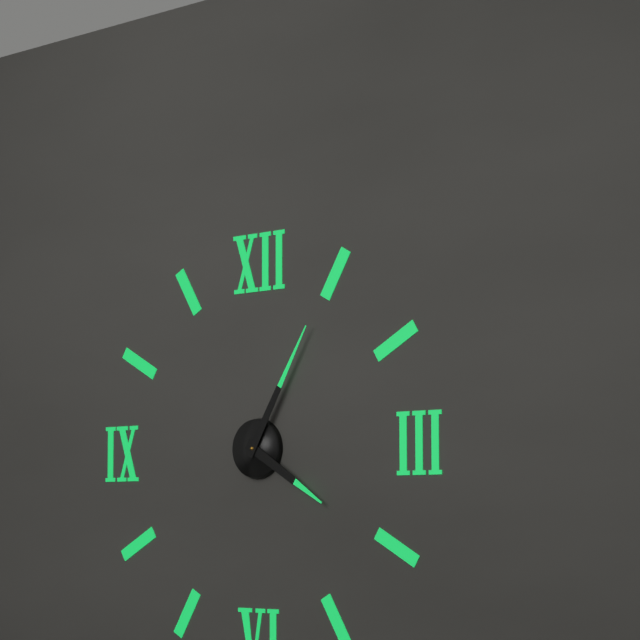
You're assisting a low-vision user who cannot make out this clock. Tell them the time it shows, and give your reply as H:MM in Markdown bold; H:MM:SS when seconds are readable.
**4:05**
